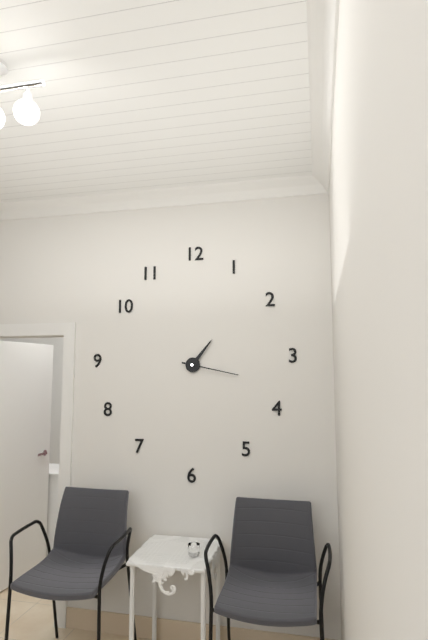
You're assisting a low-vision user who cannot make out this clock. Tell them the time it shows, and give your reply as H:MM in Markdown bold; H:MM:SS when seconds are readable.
**1:17**
